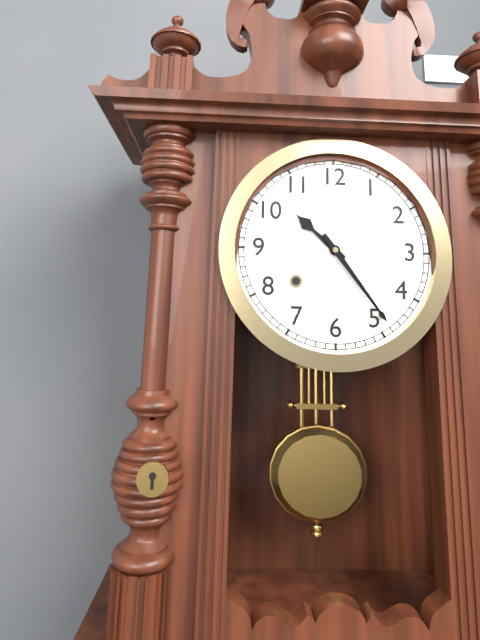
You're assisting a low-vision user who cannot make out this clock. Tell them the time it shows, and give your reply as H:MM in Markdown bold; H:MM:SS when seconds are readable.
**10:24**
